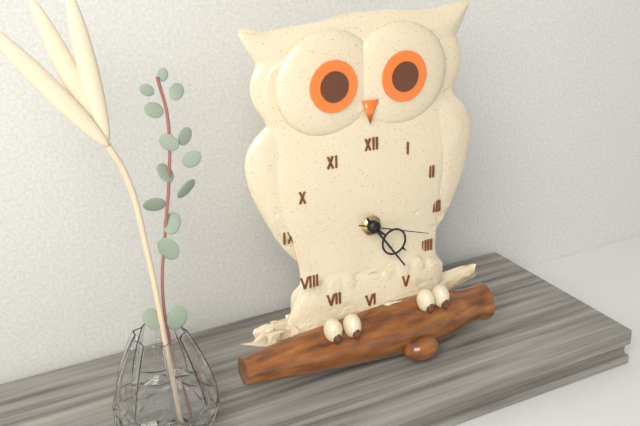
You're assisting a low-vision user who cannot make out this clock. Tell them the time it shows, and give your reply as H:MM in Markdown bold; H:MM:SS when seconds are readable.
**4:24:18**
